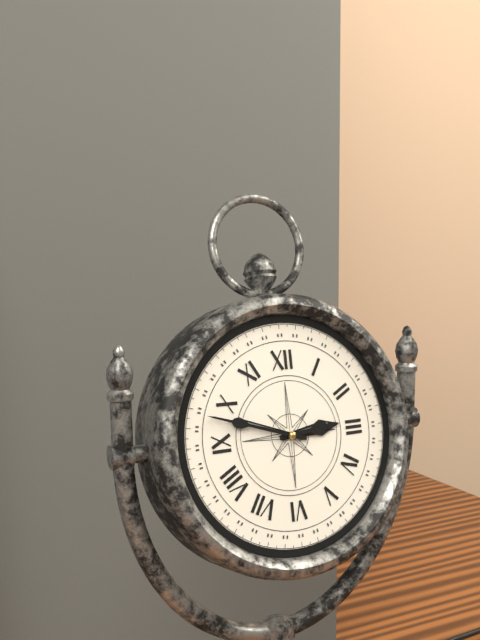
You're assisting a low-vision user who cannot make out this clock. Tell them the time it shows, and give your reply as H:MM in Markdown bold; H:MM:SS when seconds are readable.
**2:48**
